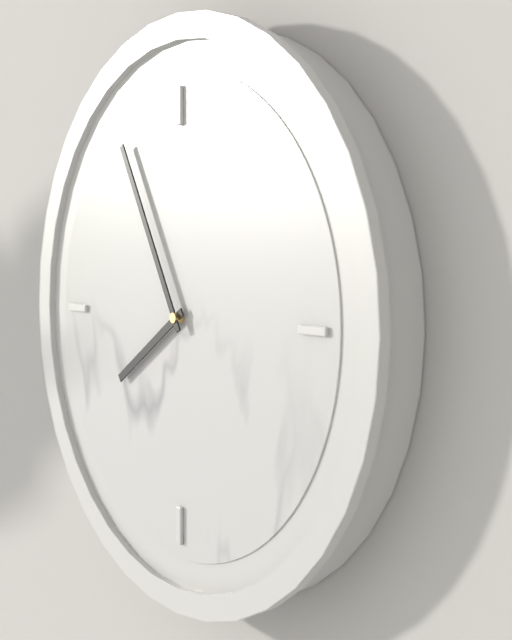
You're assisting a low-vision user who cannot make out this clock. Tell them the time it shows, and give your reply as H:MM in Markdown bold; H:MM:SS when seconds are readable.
**7:55**
